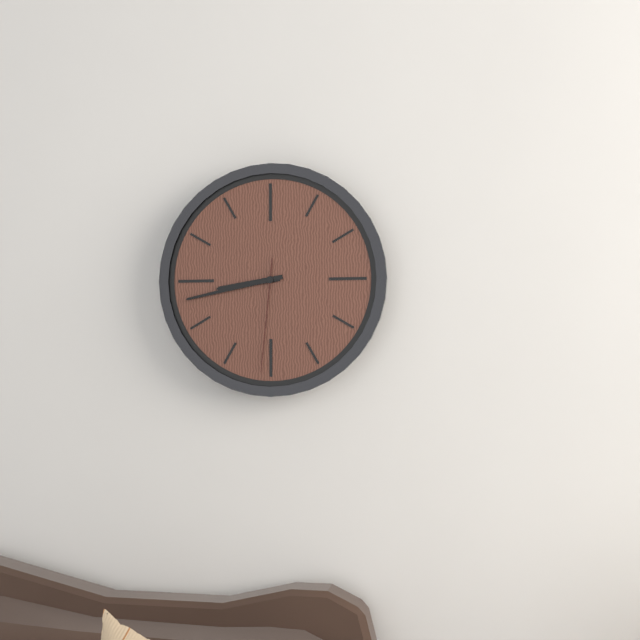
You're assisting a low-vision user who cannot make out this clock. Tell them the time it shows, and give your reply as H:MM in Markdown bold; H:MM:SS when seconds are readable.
**8:43:31**
